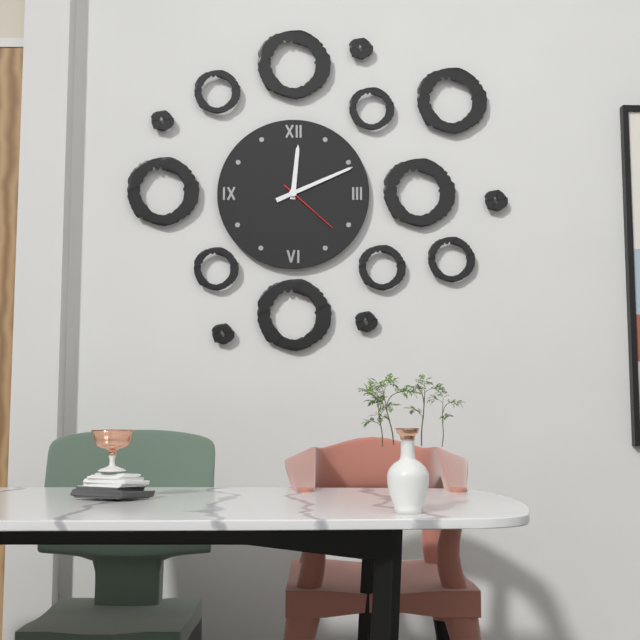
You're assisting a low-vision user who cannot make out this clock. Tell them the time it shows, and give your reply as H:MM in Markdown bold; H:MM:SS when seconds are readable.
**12:11:22**
